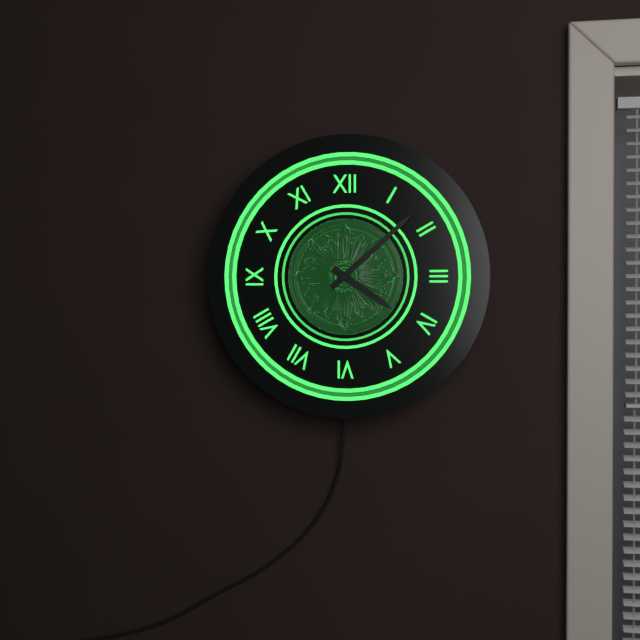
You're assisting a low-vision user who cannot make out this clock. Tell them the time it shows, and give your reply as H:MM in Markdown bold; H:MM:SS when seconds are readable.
**4:08**
